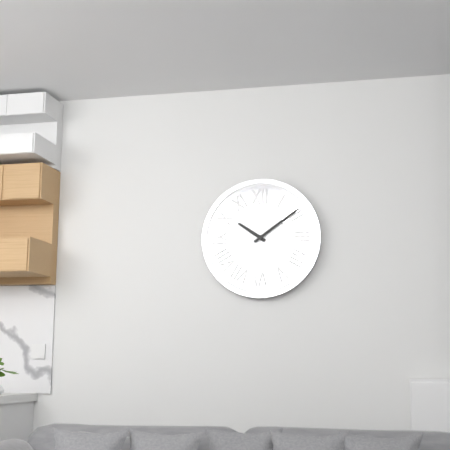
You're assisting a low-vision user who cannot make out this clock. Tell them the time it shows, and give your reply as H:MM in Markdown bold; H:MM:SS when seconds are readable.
**10:09**
